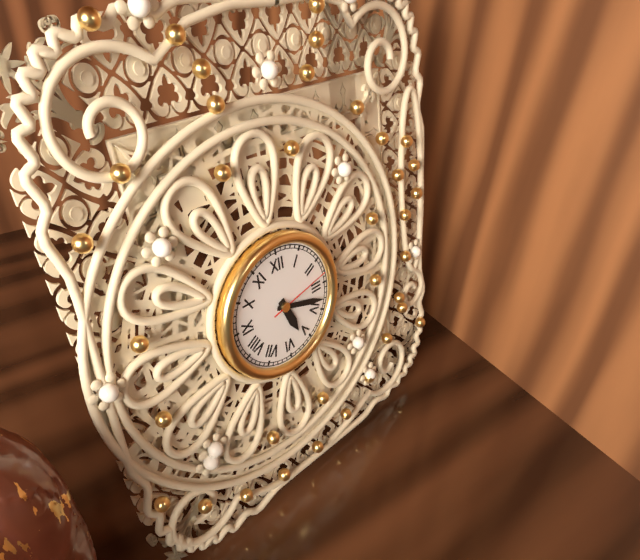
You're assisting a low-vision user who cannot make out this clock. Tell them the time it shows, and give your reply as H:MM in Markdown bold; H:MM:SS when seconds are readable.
**5:18:13**
